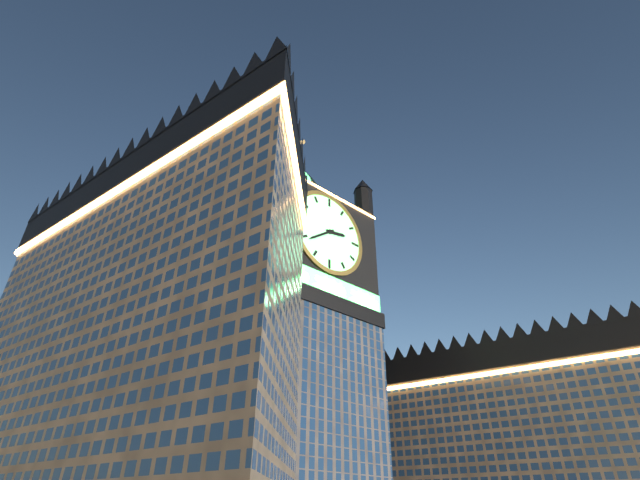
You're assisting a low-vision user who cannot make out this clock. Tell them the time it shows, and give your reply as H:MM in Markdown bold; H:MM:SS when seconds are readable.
**2:39**
